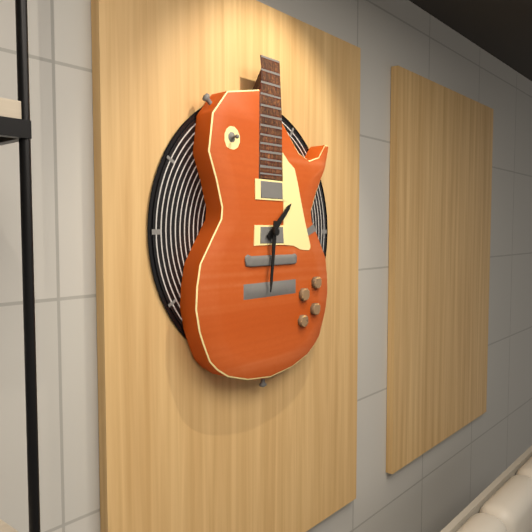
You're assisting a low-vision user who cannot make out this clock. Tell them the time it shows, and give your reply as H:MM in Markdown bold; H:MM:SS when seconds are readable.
**1:31**
